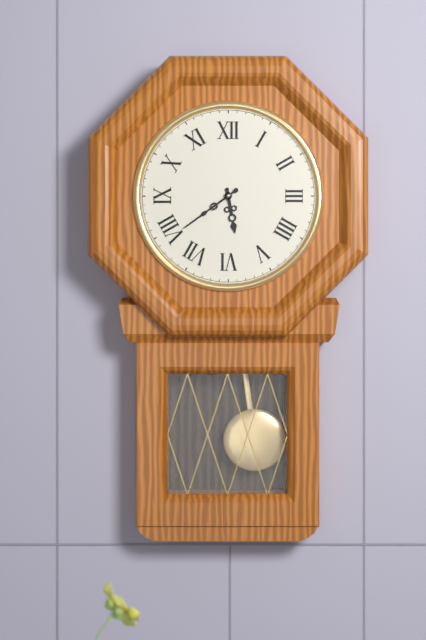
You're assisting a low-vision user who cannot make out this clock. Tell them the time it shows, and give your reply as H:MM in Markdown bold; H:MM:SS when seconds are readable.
**5:39**
